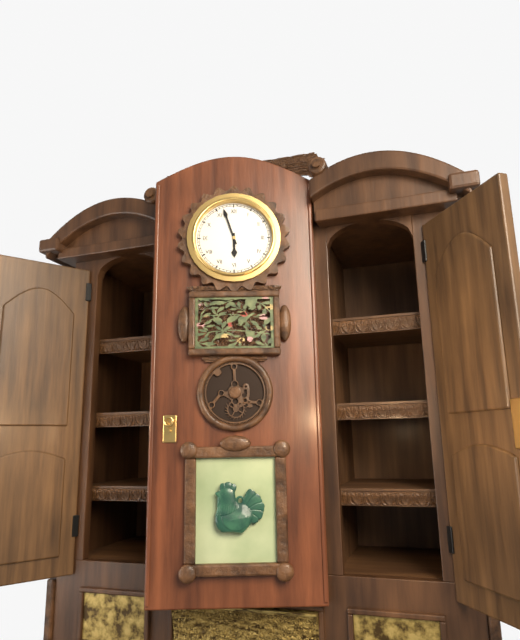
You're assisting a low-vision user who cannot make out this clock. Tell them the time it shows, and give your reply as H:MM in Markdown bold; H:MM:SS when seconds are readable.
**5:57**
